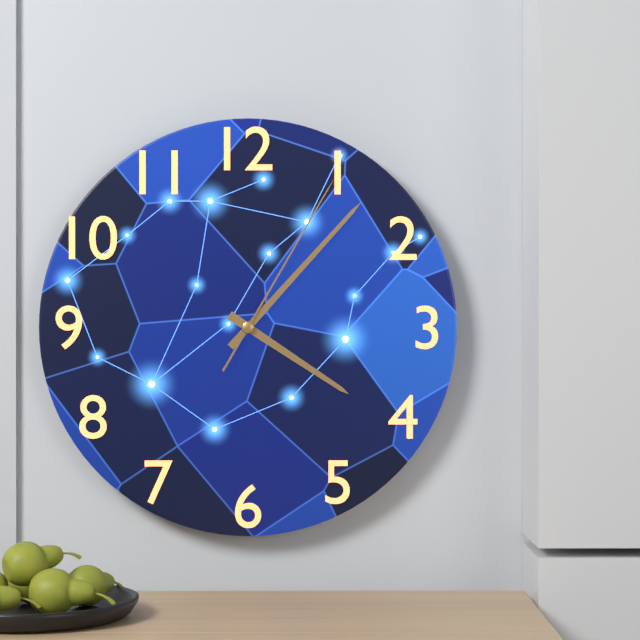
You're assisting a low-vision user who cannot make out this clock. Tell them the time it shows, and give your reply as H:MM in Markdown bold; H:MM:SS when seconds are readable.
**4:07:05**
